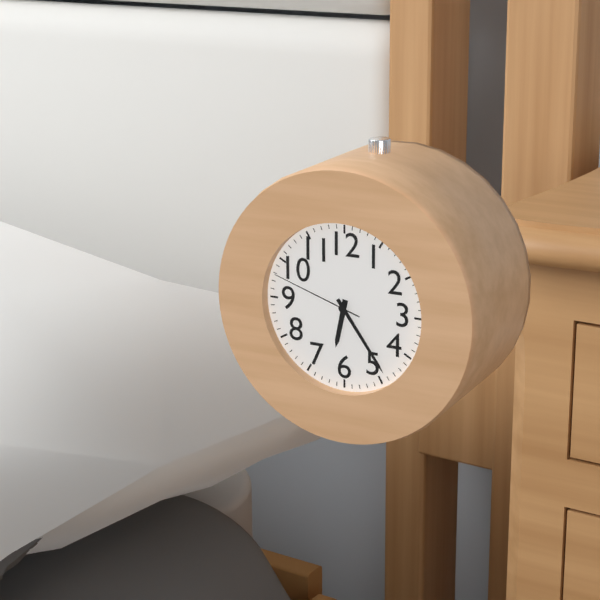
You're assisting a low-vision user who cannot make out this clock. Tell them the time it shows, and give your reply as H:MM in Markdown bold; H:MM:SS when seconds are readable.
**6:24:48**
